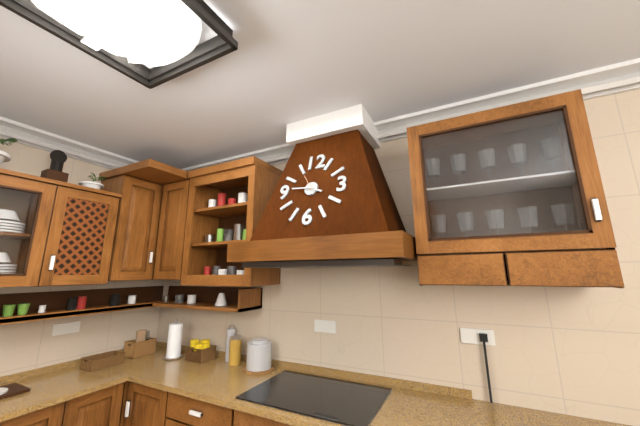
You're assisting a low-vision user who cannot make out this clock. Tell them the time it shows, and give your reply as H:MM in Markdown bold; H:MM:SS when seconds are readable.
**3:46**
